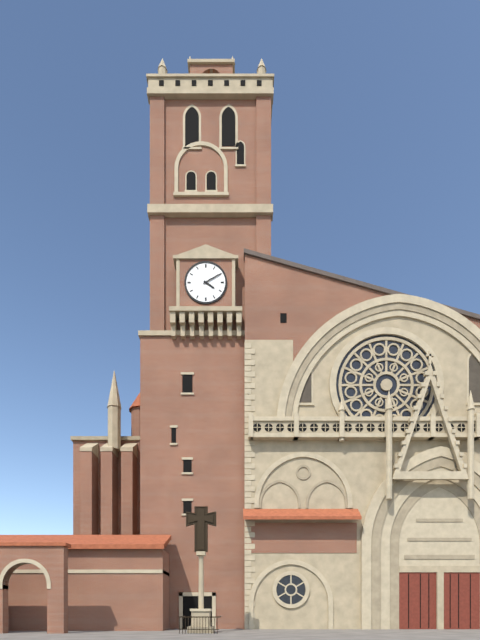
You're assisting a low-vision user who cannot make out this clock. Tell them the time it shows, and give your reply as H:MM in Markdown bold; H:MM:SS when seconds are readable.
**4:10**
